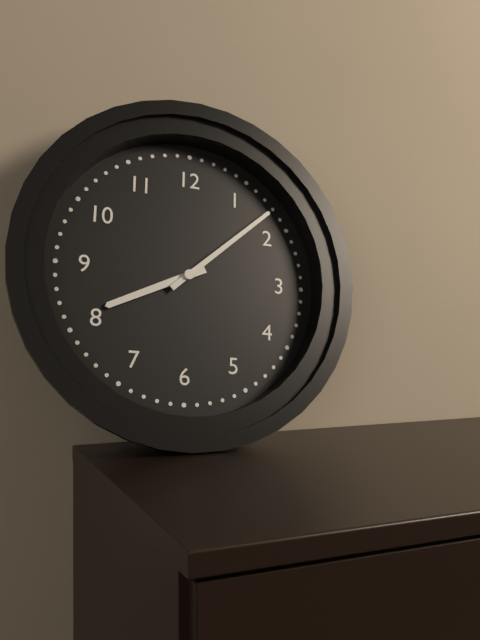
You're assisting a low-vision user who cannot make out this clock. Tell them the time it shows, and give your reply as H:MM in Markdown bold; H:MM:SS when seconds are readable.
**8:08**
